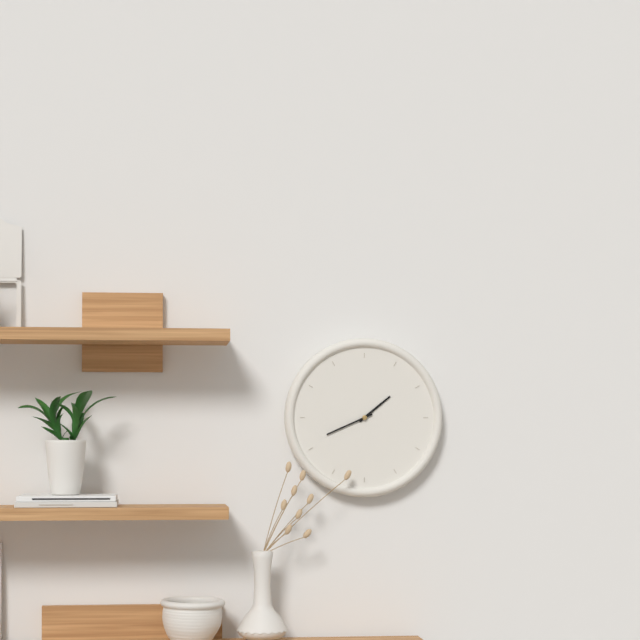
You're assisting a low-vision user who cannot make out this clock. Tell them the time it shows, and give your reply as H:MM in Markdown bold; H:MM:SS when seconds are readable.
**1:41**
